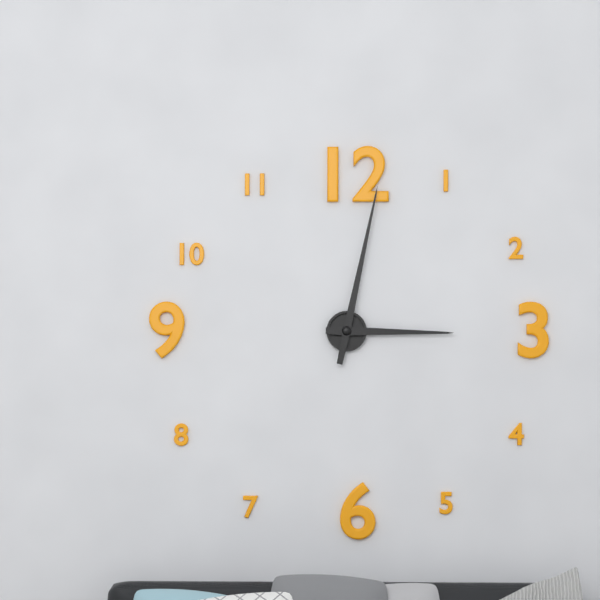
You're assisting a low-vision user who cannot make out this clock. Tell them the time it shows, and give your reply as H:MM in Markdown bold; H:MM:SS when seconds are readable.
**3:02**
